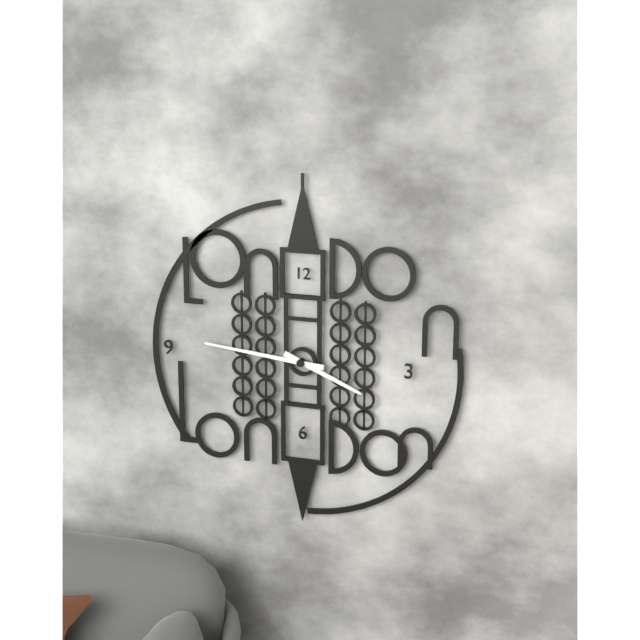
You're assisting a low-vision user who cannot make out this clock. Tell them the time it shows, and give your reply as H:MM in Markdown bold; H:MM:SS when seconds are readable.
**3:46**
